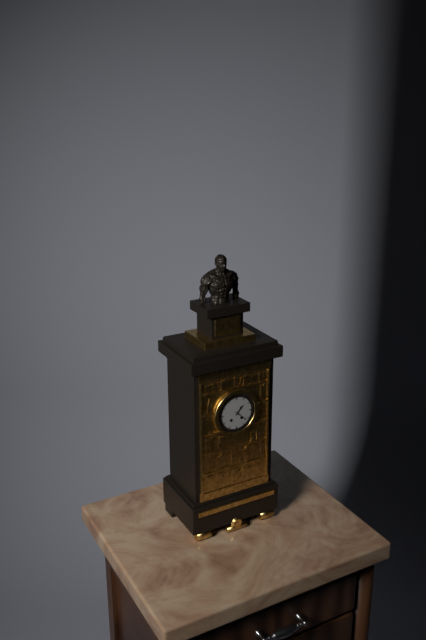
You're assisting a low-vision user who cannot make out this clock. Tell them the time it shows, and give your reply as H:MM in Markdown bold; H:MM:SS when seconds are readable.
**1:22**
